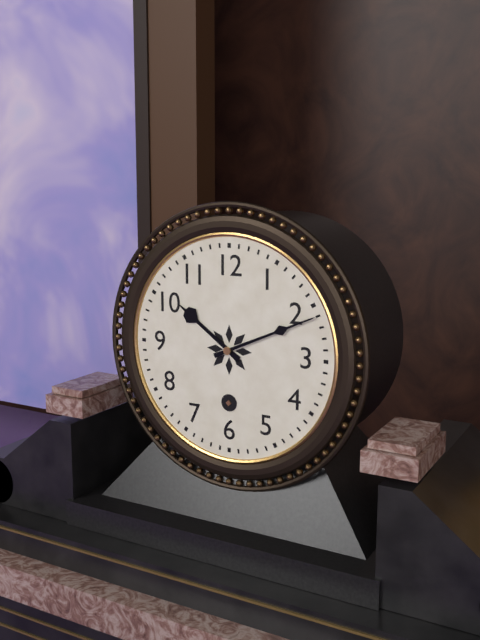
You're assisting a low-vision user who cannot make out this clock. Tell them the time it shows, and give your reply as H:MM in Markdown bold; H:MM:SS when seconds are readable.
**10:11**
